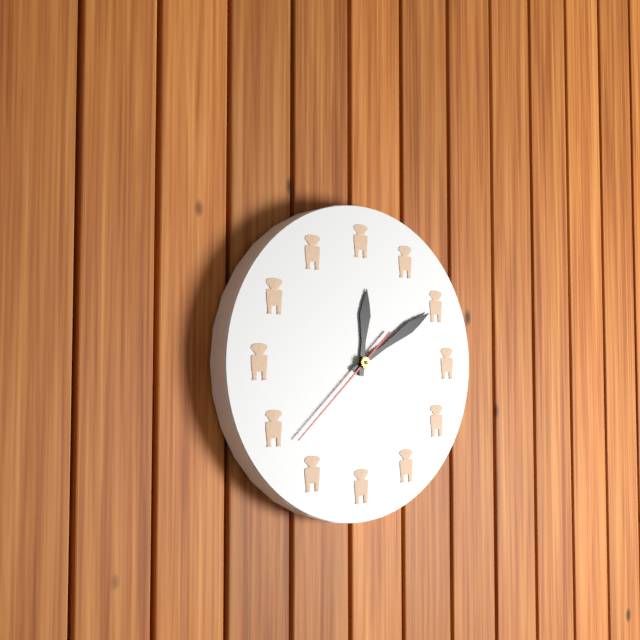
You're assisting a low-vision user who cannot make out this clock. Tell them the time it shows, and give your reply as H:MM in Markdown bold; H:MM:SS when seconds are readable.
**12:10:38**
